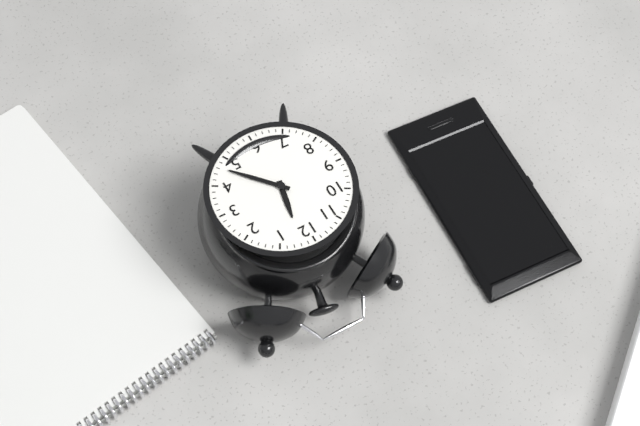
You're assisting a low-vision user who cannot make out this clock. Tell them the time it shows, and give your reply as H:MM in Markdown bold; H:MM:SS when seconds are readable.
**12:23**
